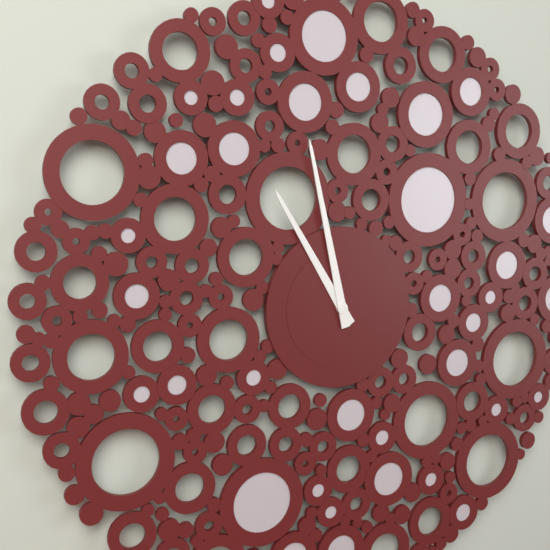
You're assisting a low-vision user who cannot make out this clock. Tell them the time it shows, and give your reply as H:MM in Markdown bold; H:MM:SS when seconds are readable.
**10:58**
